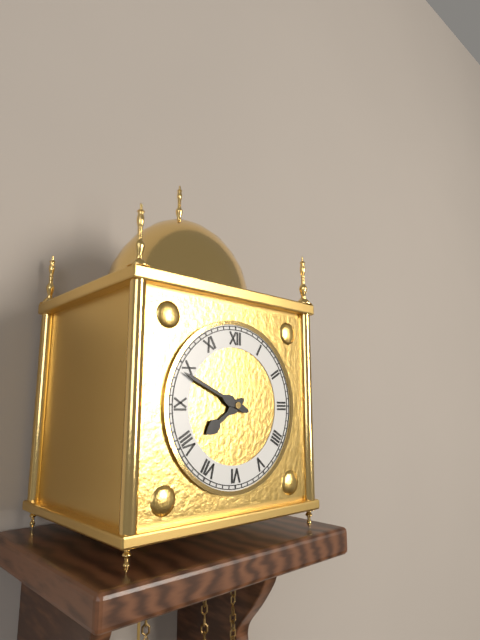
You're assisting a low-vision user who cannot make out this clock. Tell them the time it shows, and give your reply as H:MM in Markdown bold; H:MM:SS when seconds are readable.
**7:49**
